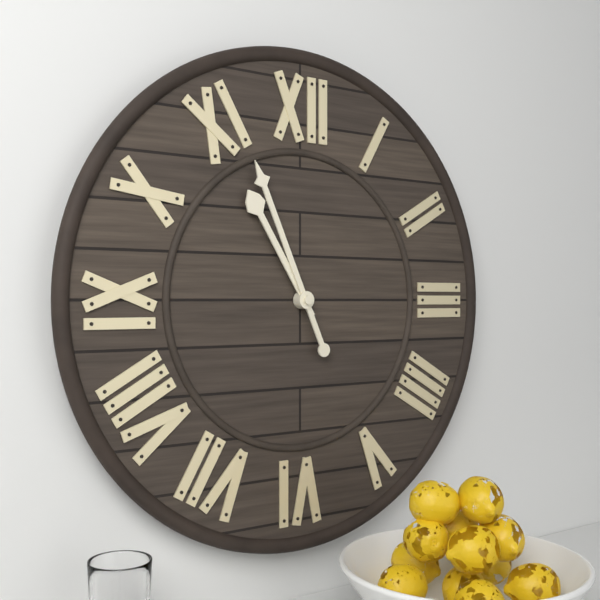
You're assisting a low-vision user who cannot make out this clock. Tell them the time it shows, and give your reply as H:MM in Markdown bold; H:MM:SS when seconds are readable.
**10:56**
